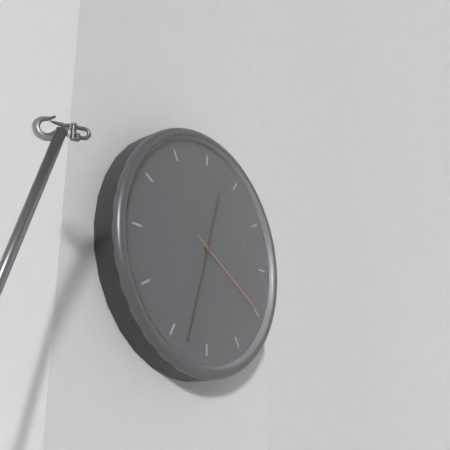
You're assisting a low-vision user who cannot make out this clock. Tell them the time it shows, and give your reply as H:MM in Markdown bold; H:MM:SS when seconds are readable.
**12:33:20**
